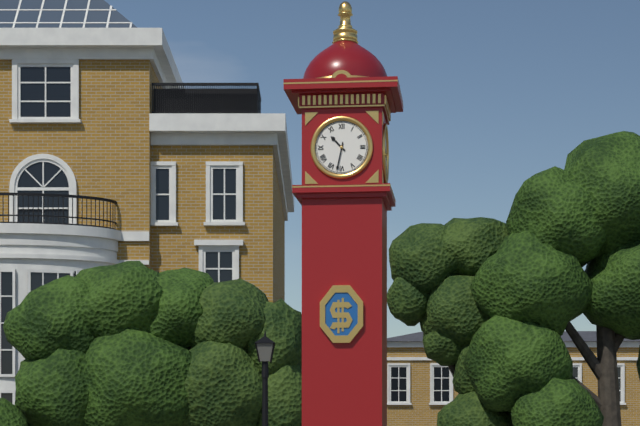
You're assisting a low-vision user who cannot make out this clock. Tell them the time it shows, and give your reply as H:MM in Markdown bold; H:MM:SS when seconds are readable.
**10:32**
